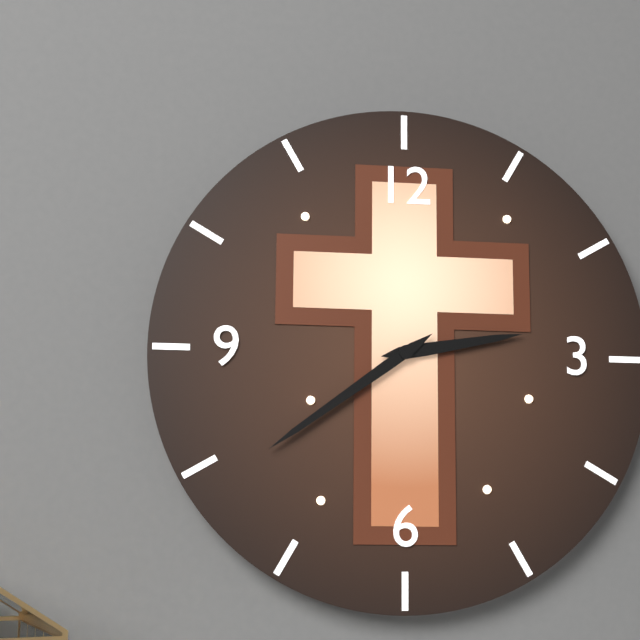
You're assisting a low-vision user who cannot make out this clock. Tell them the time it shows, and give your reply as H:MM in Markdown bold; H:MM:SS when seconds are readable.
**2:39**
